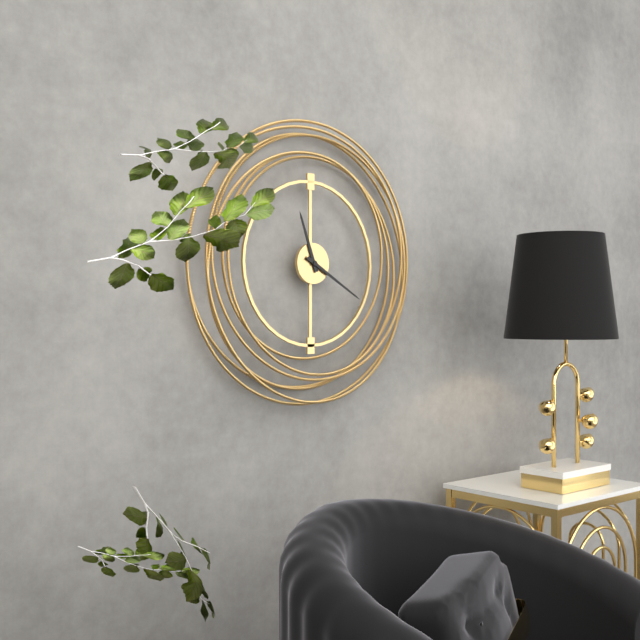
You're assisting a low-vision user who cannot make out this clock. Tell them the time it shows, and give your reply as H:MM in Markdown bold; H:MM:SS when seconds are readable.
**11:20**
